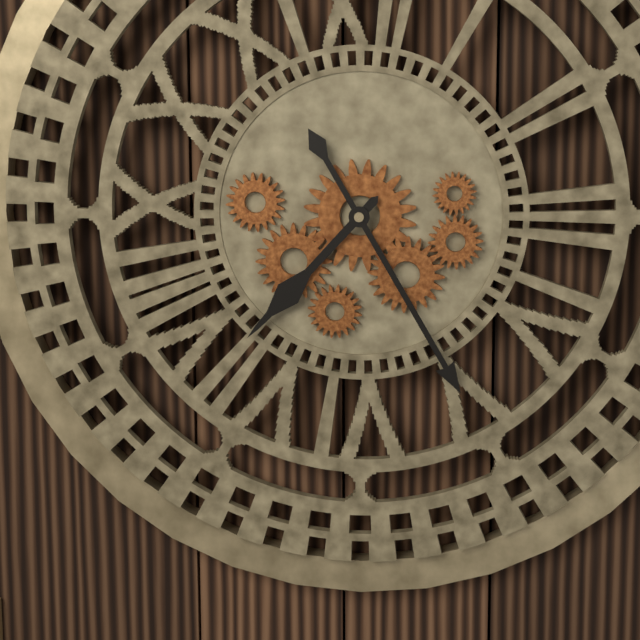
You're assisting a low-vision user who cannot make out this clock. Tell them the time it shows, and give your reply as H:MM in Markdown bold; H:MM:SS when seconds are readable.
**7:25**
